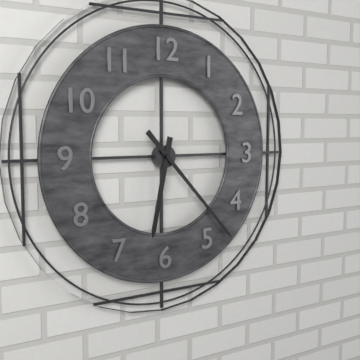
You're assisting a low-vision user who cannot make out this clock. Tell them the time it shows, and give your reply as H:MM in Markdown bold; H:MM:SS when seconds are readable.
**6:23**
